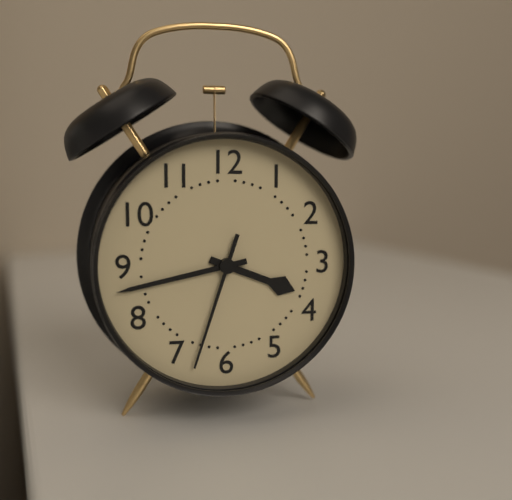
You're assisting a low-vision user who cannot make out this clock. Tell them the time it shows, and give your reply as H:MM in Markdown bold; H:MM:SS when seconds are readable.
**3:43:33**
